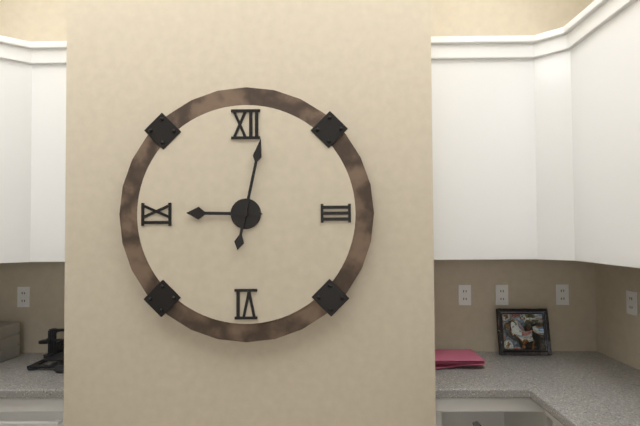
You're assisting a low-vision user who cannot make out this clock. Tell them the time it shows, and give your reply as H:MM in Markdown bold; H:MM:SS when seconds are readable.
**9:02**
